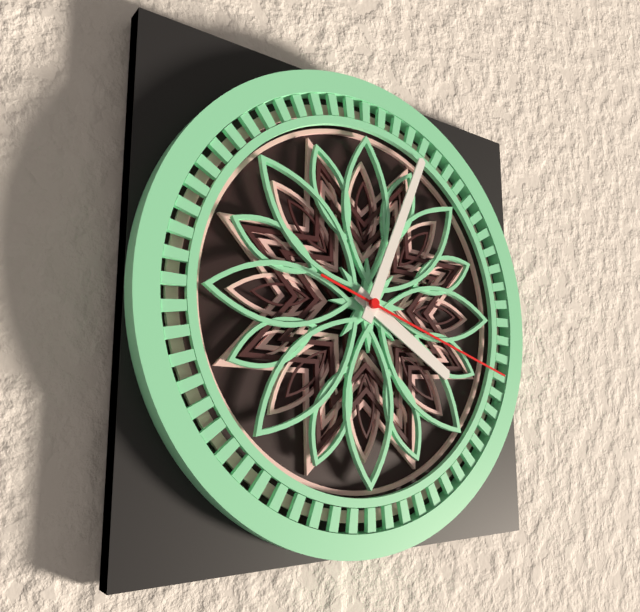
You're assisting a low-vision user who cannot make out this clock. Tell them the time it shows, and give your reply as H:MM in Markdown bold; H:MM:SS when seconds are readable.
**4:04:18**
